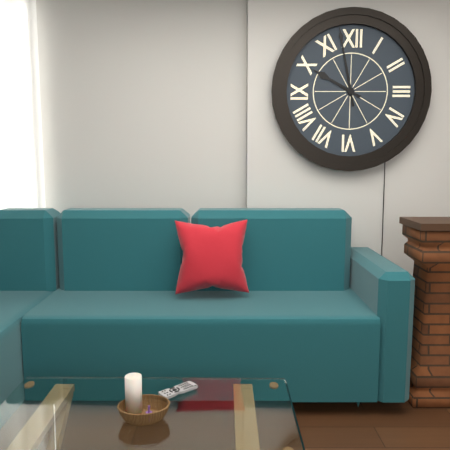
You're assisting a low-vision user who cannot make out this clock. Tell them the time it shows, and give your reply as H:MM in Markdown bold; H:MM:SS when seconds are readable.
**9:58**
